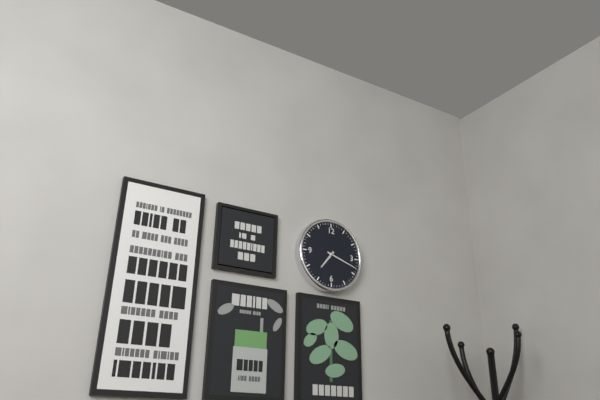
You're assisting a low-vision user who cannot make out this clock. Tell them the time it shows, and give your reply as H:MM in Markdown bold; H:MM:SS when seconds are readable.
**7:18**
